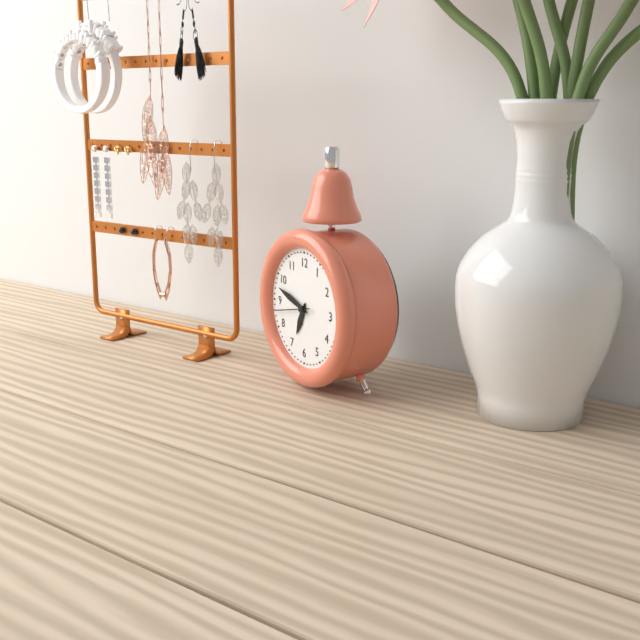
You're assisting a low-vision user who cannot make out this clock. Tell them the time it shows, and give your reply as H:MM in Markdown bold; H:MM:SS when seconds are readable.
**6:48**
